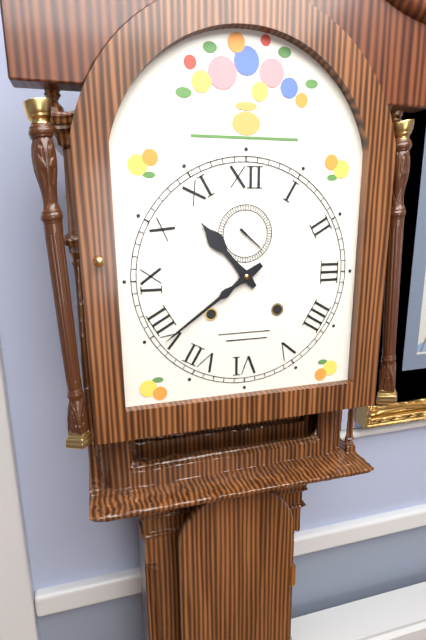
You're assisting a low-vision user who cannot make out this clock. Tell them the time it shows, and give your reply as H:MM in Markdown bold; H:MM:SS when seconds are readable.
**10:39**
